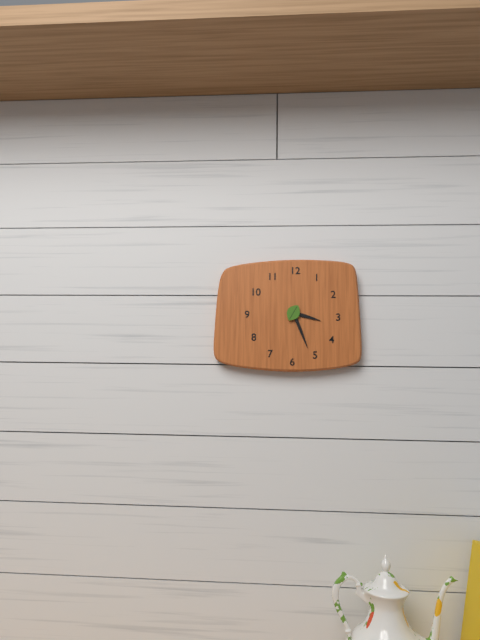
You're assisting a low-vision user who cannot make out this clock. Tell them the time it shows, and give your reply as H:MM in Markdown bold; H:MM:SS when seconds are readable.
**3:26**
